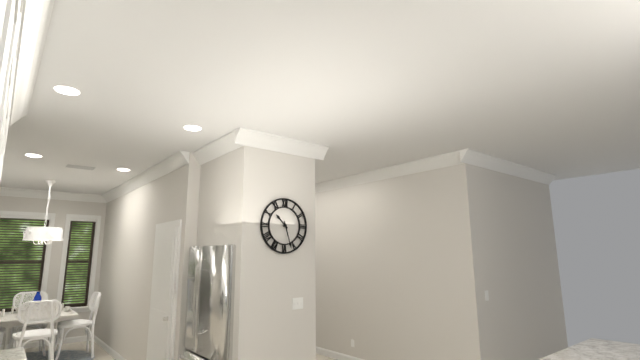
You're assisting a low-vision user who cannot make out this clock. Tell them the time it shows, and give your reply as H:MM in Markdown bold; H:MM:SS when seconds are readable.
**10:27**
